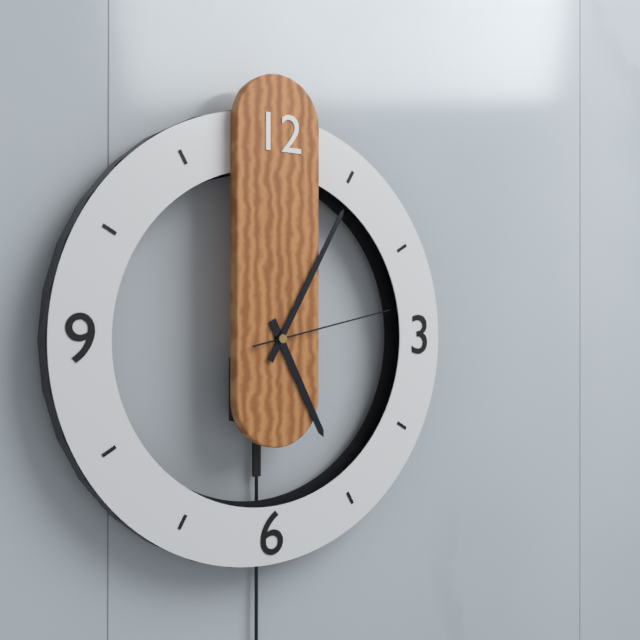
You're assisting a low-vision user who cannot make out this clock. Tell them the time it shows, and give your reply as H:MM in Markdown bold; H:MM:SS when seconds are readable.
**5:05:13**
